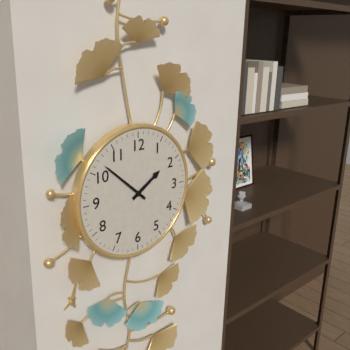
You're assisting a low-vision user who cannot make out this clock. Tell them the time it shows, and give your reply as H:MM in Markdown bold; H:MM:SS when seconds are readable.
**1:52**
